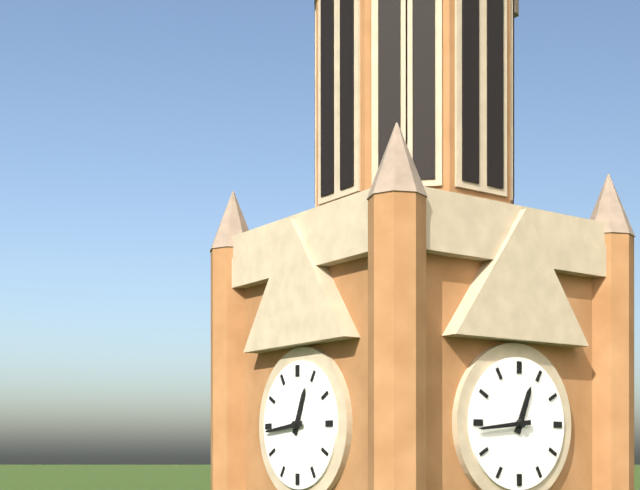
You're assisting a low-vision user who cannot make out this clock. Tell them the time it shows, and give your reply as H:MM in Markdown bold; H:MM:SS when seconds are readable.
**12:44**
